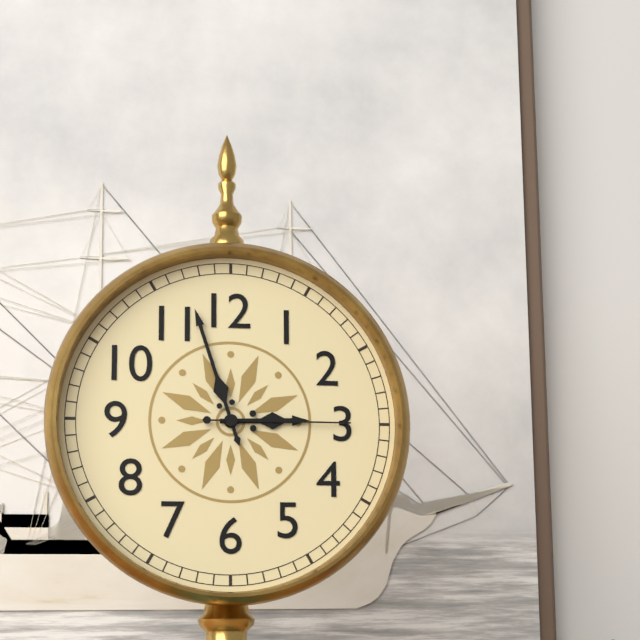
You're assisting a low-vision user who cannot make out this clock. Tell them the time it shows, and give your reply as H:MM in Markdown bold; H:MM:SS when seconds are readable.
**2:57:15**
